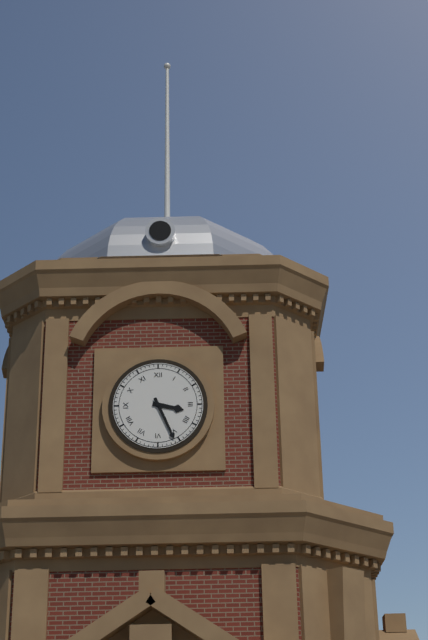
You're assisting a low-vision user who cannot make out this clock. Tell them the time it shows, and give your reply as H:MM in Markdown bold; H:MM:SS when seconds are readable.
**3:26**
